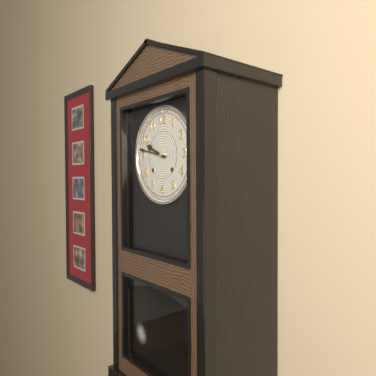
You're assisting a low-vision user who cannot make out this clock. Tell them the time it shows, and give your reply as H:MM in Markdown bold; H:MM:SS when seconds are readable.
**9:47**
